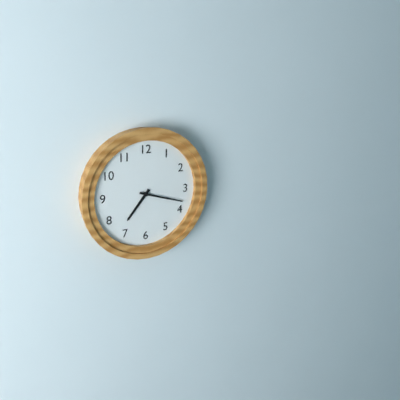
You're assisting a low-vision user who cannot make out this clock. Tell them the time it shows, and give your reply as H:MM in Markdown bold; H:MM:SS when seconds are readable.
**7:18**
